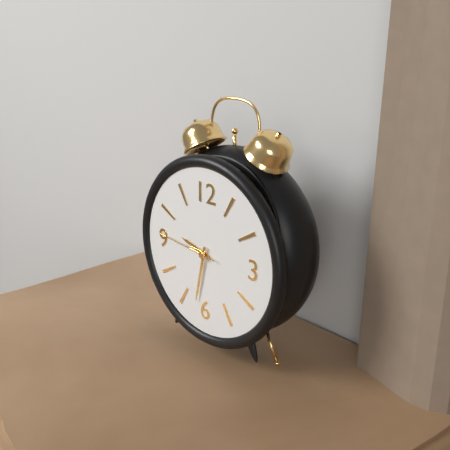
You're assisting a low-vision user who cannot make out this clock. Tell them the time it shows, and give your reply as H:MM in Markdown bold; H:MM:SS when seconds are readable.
**9:32:46**
